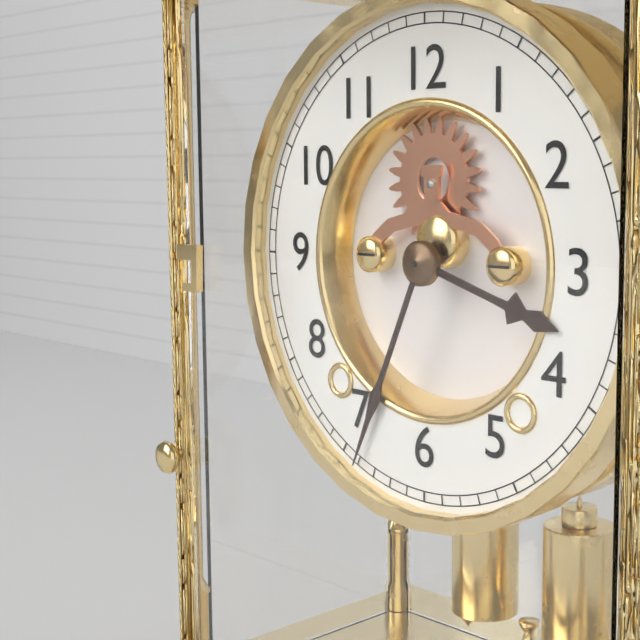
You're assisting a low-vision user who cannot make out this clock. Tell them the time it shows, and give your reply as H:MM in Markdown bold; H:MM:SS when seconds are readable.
**3:34**
